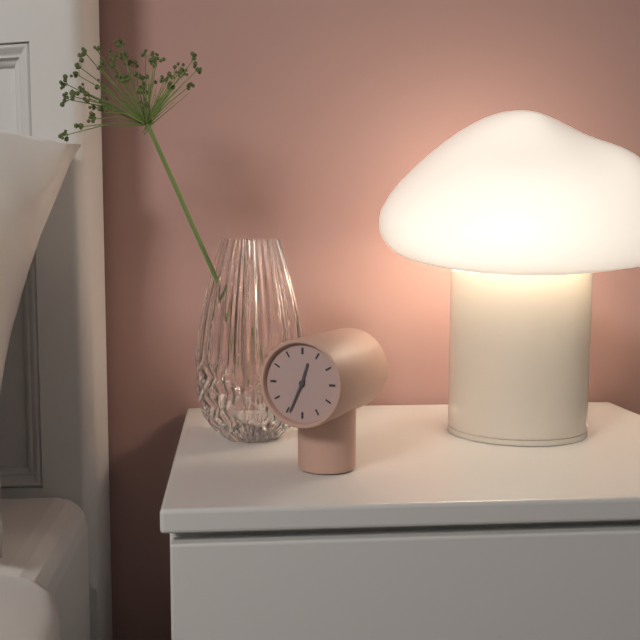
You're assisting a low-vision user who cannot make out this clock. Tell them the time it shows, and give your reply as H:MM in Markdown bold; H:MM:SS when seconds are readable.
**12:34**
